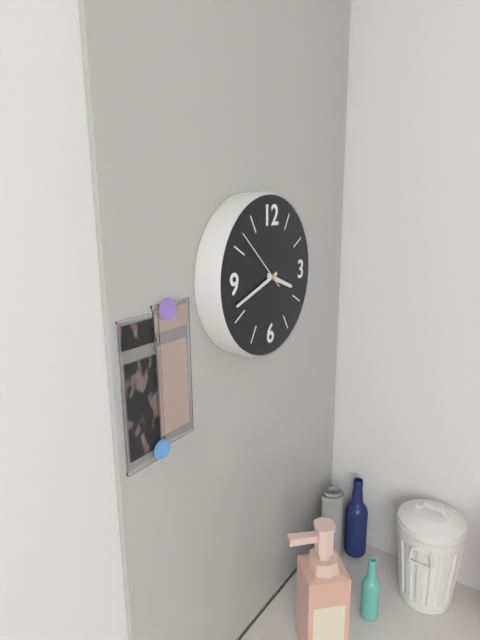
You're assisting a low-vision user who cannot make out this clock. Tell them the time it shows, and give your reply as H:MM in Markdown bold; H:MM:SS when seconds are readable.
**3:42:52**
